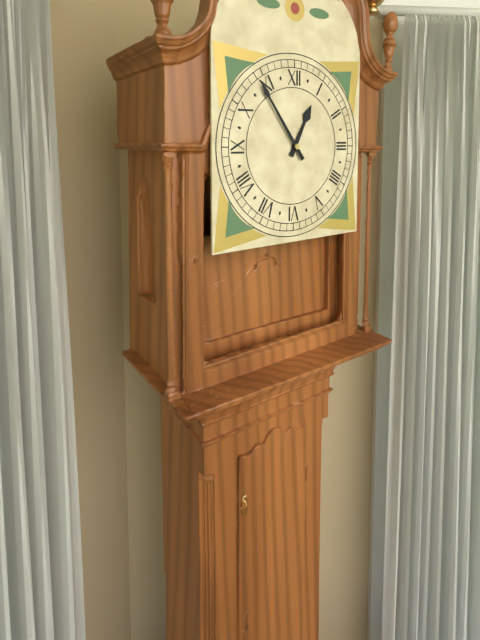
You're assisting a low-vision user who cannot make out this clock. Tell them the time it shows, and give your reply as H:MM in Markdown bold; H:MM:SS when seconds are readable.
**12:54**
